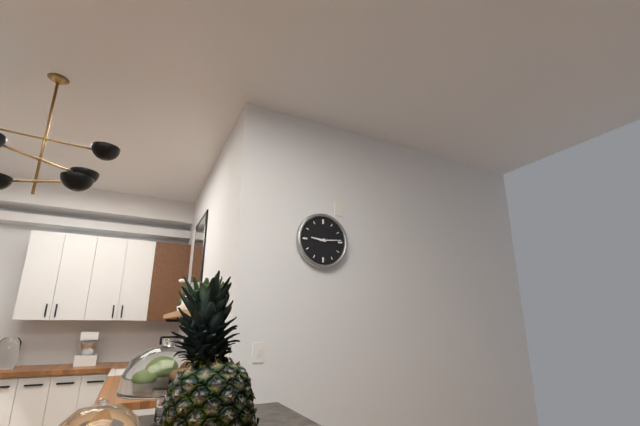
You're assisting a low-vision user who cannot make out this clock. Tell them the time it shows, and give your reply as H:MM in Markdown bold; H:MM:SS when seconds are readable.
**9:14**
